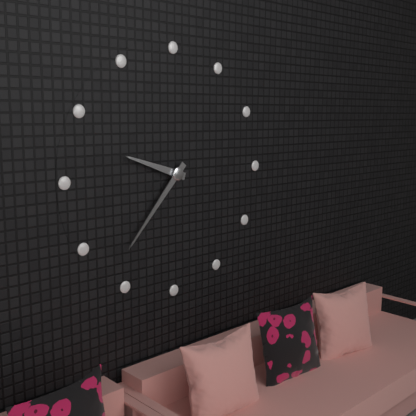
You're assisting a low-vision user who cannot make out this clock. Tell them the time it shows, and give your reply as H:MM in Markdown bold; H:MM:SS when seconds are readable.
**9:37**
